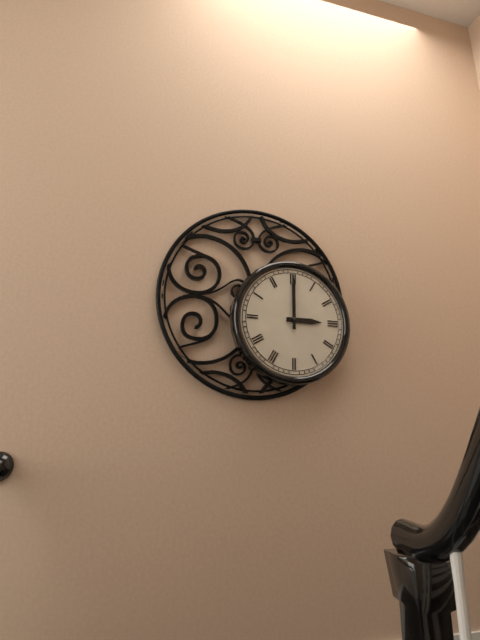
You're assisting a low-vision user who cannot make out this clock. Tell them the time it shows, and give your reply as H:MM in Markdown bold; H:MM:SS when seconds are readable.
**3:00**
